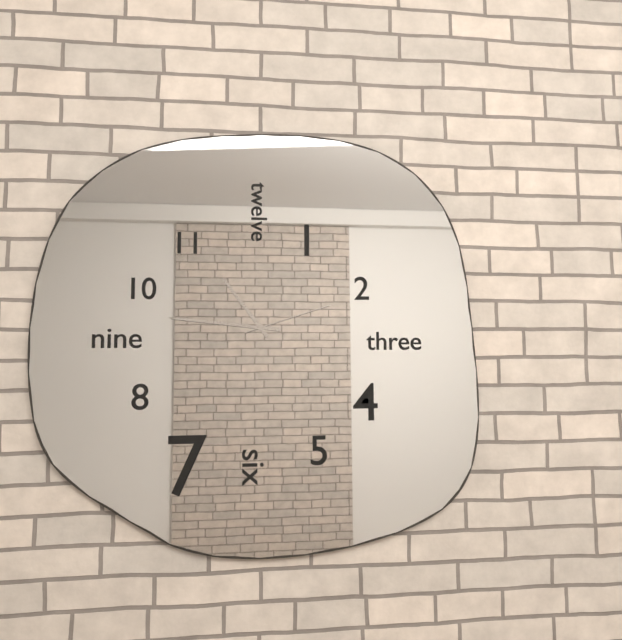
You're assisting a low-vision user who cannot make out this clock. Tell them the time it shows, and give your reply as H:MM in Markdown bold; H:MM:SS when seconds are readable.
**10:46:12**
